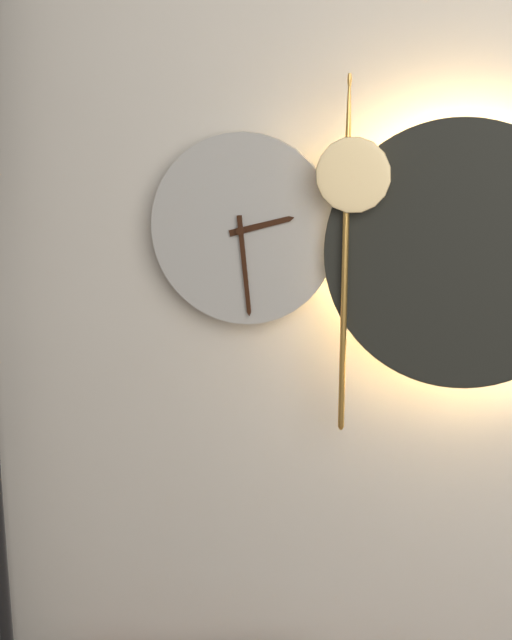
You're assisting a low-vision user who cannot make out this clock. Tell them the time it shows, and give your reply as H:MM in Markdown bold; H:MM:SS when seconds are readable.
**2:29**
